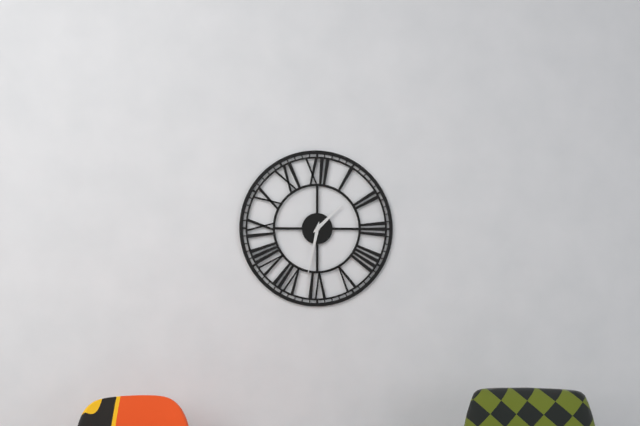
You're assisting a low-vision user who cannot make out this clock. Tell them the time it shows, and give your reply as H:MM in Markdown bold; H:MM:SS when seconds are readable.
**1:32**
